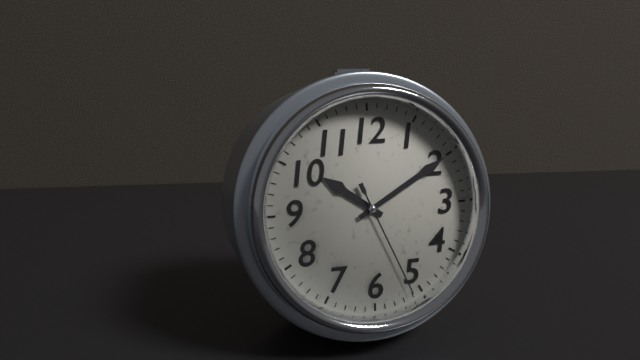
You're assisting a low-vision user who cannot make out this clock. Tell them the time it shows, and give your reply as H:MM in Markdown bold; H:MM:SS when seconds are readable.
**10:10:26**
